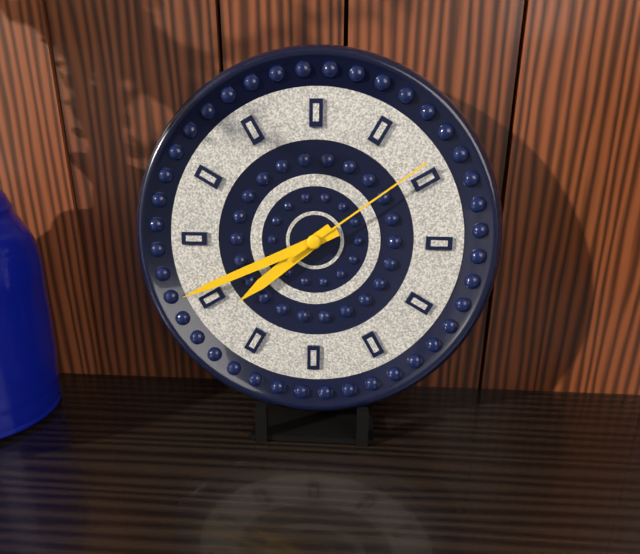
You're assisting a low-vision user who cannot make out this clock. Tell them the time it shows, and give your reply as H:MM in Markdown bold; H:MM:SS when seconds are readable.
**7:41:09**
